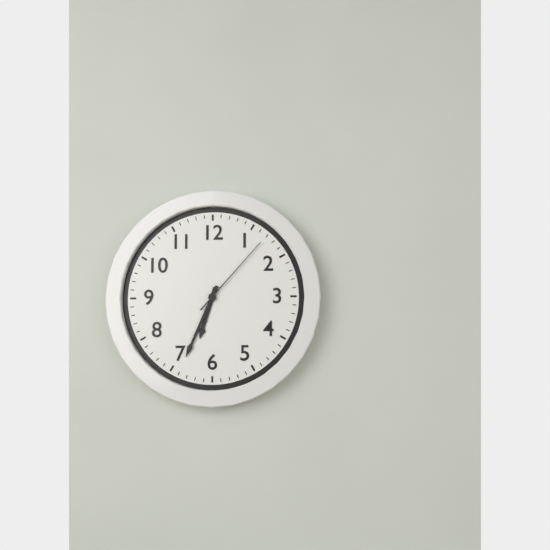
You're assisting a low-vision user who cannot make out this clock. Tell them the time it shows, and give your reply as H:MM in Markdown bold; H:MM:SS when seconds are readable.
**6:34:07**
